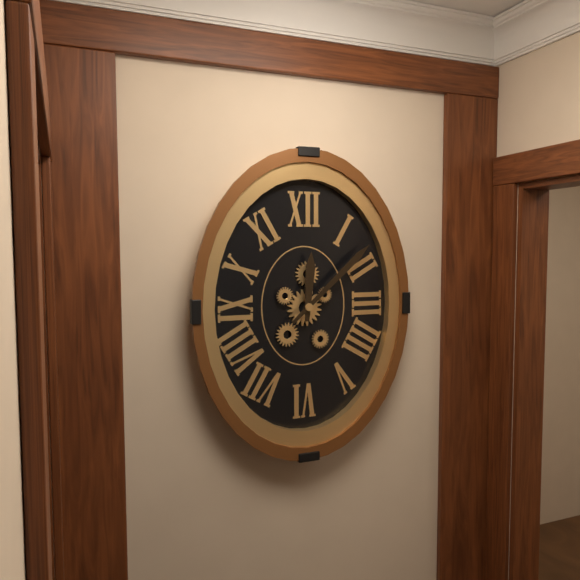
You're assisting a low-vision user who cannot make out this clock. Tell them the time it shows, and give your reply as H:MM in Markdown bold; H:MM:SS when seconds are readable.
**12:08**
